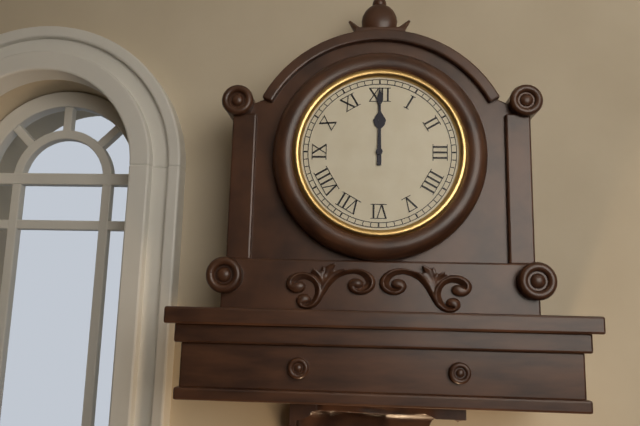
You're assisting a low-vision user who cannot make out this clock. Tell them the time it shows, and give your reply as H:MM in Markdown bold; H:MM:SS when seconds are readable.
**12:00**
